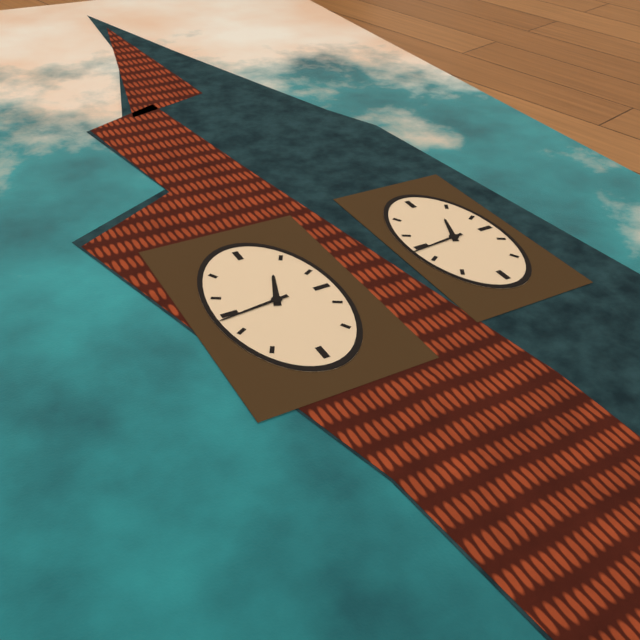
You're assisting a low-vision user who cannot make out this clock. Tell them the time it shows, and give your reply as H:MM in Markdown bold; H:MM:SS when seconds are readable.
**12:44**
